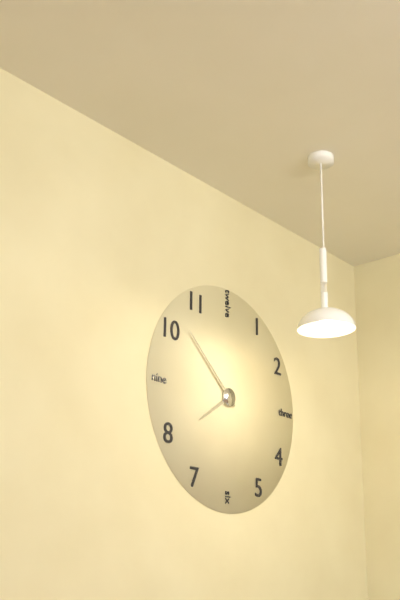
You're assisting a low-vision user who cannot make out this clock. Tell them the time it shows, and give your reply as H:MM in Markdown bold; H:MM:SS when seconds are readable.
**7:52**
